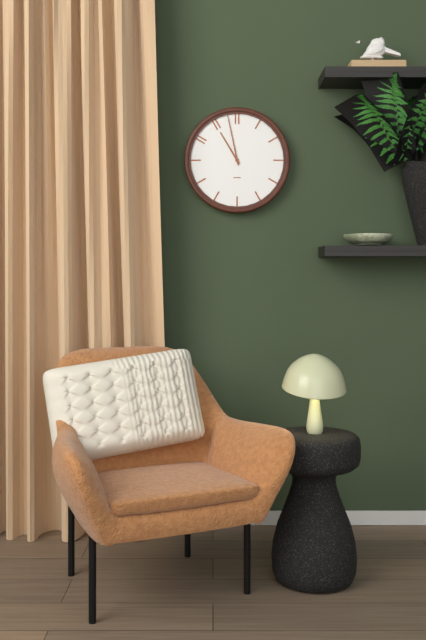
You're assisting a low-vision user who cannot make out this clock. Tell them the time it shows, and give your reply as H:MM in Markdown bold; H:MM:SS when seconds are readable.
**10:58**
